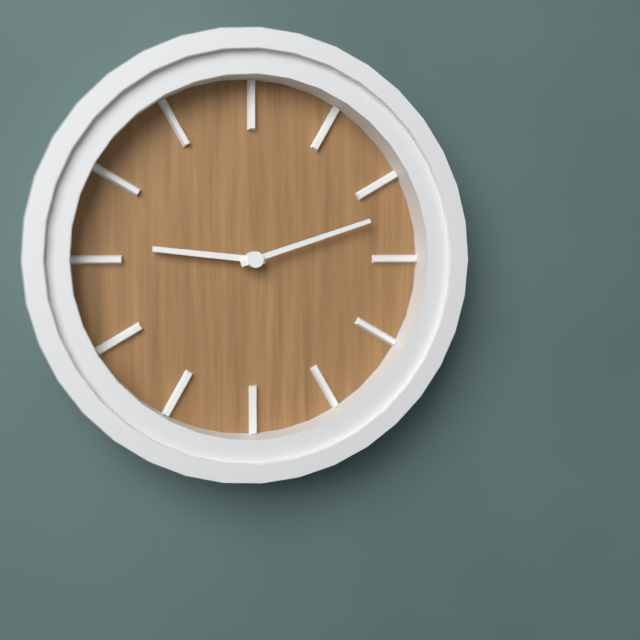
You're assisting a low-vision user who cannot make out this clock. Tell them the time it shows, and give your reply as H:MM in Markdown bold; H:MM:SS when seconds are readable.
**9:12**
